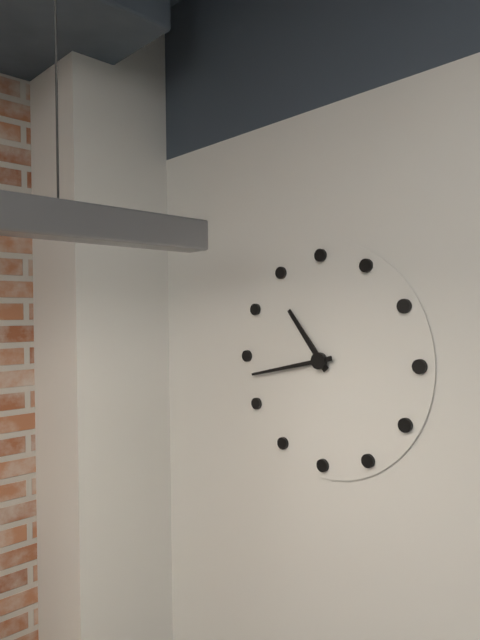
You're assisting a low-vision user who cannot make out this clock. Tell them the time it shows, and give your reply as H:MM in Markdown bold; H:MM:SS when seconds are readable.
**10:43**
